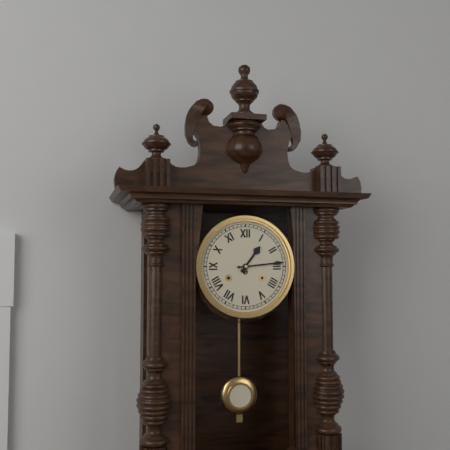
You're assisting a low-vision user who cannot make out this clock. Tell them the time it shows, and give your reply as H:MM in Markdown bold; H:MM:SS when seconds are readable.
**1:14**
